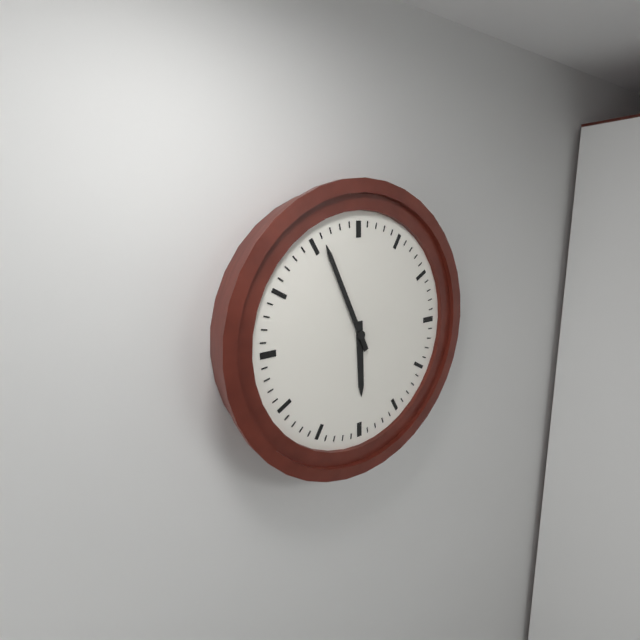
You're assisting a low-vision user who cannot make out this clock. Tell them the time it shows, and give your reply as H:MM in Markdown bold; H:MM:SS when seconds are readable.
**5:56**
